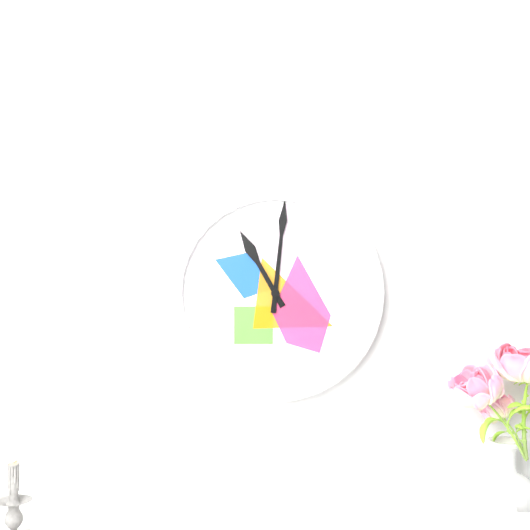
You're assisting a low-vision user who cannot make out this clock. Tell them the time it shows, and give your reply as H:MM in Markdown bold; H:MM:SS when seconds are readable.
**11:01**
